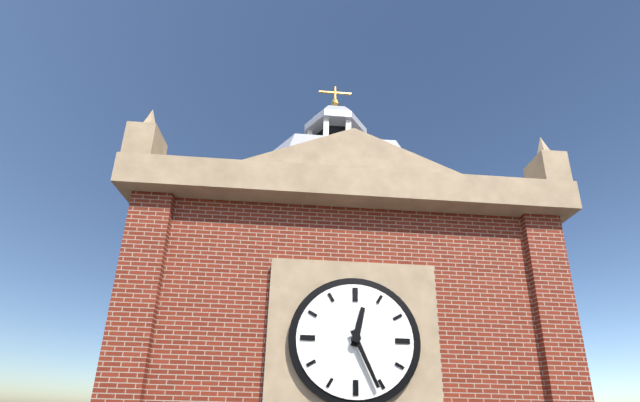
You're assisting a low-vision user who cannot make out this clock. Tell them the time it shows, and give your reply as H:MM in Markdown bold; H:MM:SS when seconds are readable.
**12:26**
